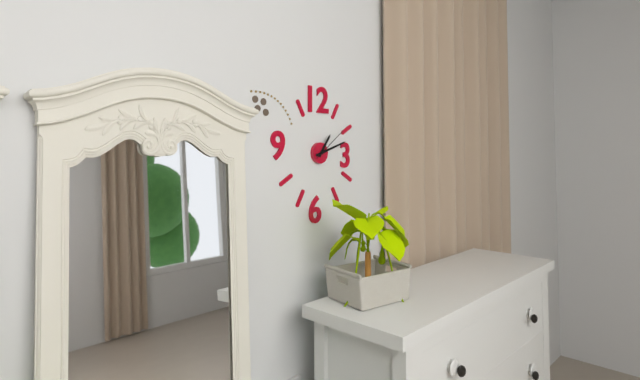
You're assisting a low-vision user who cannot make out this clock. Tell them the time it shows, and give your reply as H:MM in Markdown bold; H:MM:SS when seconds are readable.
**1:12**
